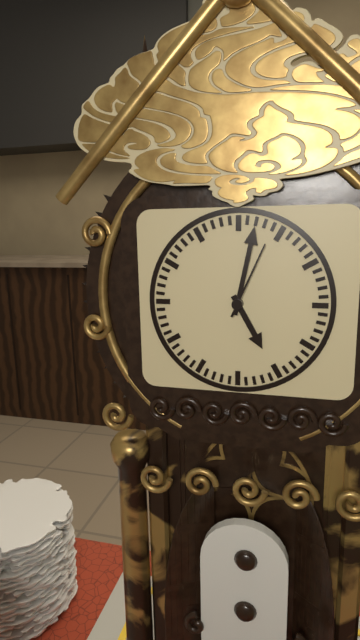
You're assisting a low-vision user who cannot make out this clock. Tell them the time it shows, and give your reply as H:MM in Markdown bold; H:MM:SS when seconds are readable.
**5:02:04**
